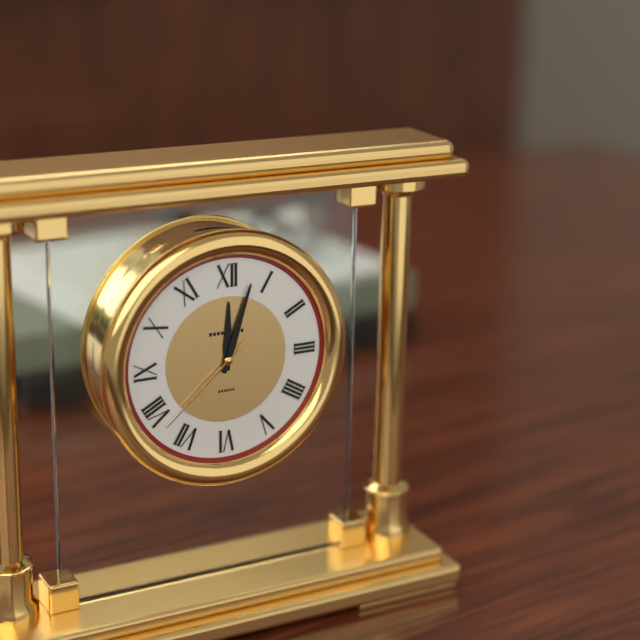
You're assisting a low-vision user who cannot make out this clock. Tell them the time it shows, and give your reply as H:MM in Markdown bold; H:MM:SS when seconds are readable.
**12:03:38**
